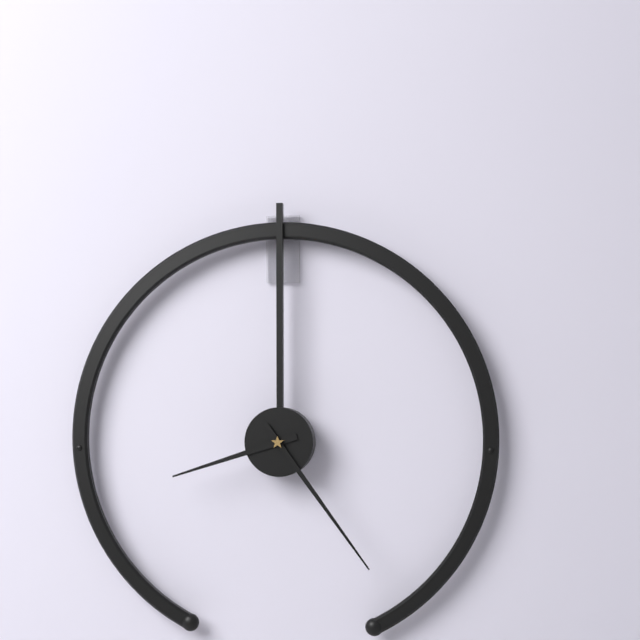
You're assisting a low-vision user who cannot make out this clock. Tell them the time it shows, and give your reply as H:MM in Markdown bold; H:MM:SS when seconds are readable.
**8:24**
